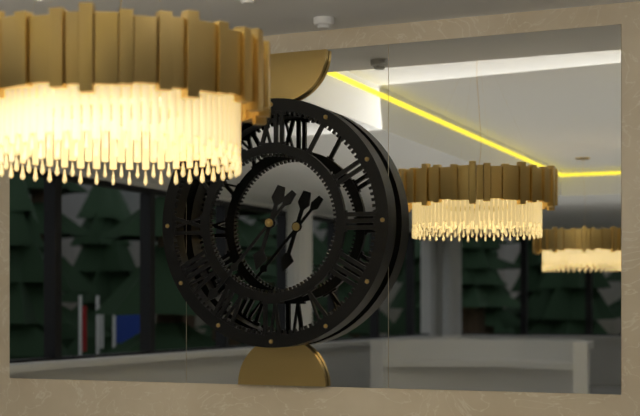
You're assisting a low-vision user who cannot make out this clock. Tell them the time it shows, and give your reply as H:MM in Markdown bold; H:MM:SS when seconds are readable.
**6:37**
